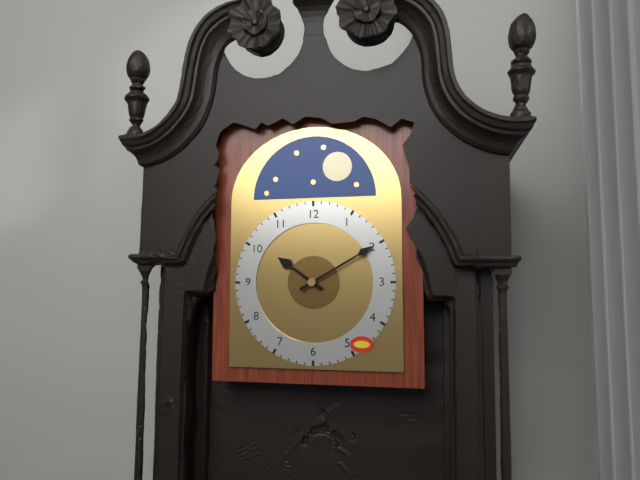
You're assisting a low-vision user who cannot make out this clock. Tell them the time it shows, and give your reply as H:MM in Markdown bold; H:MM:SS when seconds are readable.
**10:10**
